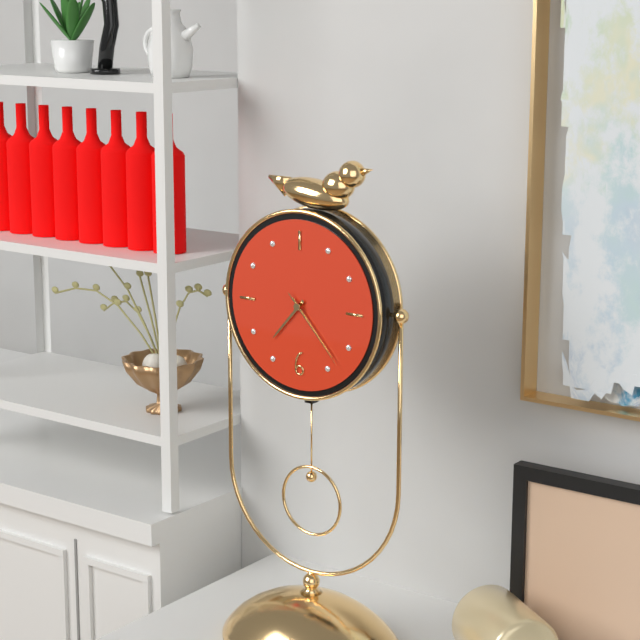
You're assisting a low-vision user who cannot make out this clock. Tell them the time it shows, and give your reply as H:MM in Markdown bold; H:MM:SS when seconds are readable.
**7:23:23**
